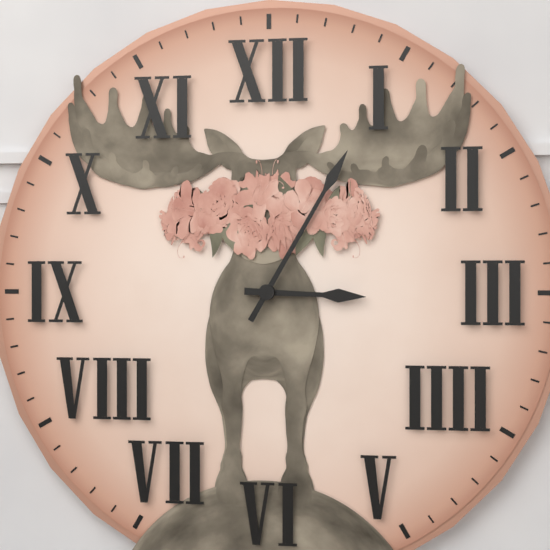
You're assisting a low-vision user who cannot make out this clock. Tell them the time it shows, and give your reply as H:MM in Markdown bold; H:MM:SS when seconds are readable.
**3:05**
